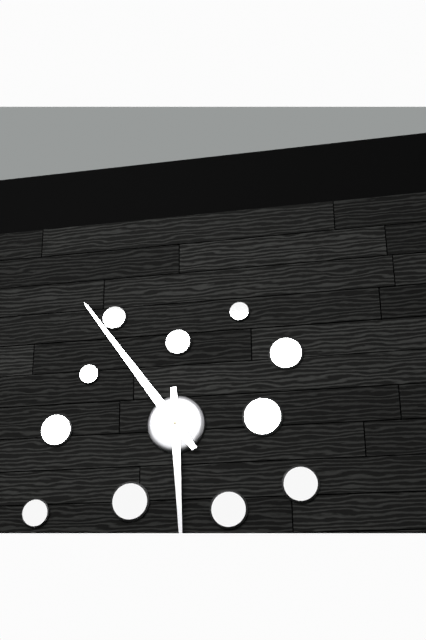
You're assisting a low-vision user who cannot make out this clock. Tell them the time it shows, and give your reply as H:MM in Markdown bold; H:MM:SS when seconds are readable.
**5:54**
